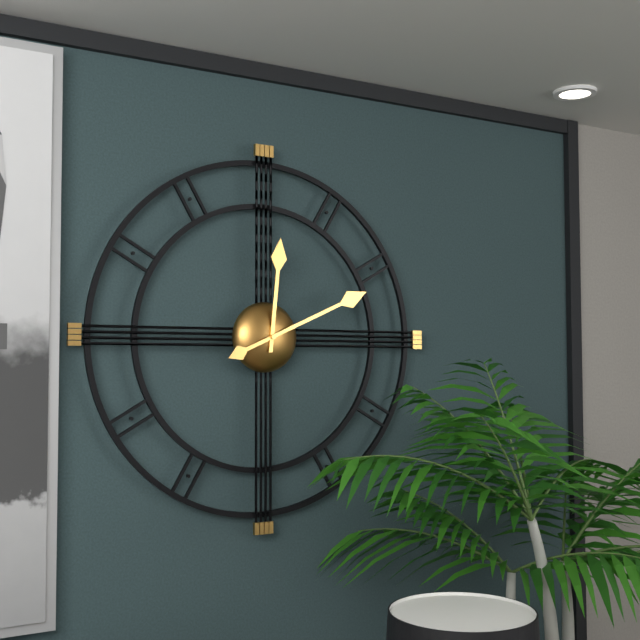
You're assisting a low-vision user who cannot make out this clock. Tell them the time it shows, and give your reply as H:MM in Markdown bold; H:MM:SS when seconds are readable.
**12:11**
